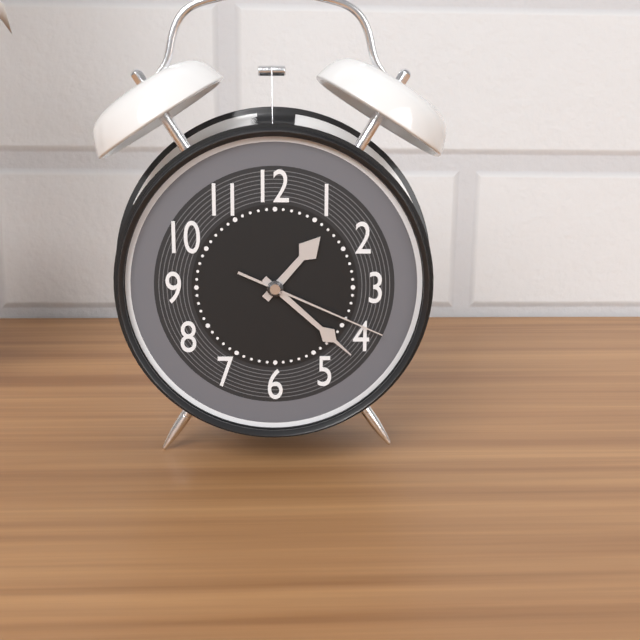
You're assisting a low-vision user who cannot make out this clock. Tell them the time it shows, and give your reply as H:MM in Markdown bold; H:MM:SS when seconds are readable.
**1:22:19**
